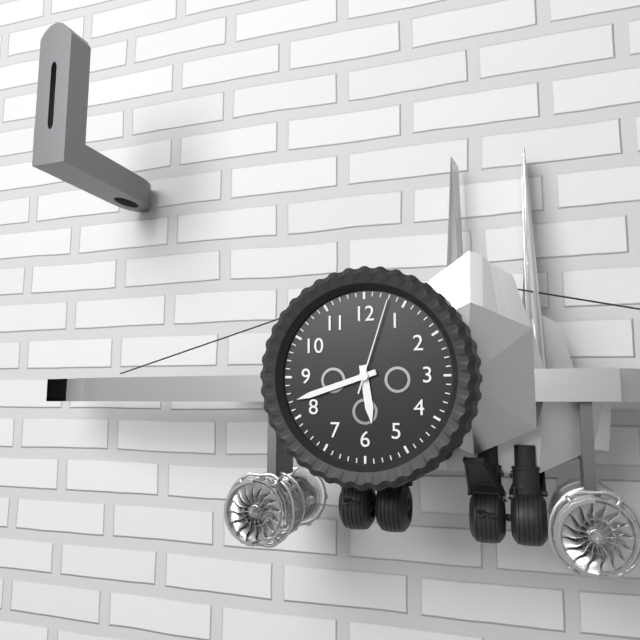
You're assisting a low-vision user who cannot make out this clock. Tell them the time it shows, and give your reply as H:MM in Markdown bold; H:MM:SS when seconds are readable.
**5:42:03**
